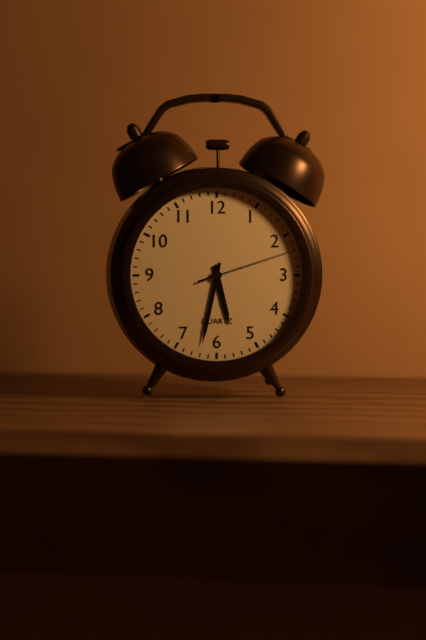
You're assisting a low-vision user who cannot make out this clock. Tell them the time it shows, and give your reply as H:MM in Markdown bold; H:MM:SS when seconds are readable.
**5:32:12**
